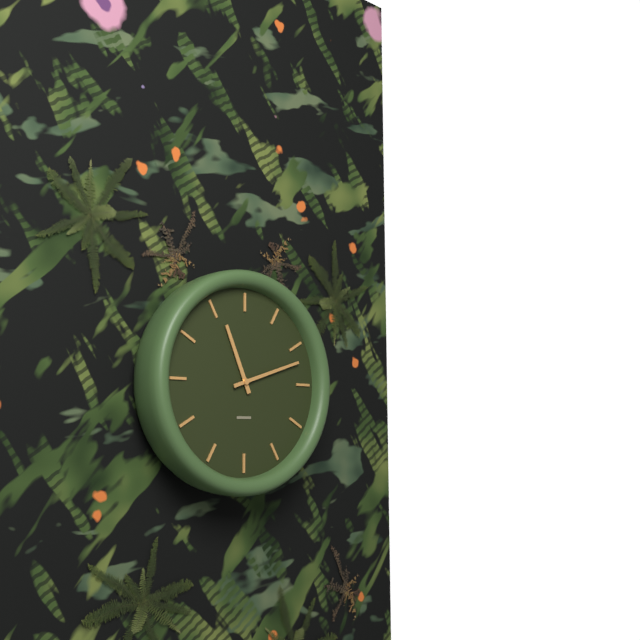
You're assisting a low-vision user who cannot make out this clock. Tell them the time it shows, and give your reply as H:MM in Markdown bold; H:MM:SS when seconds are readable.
**11:12**
